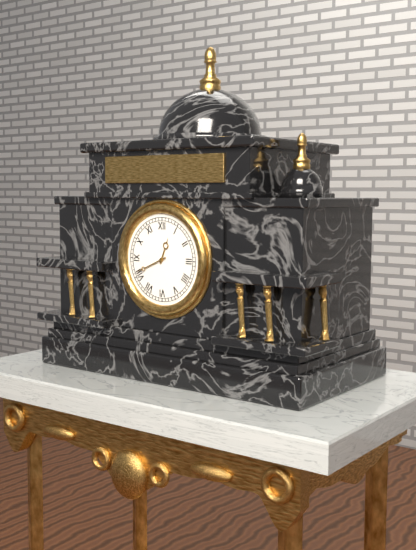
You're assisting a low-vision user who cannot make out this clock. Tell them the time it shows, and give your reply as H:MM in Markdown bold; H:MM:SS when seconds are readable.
**12:41**
